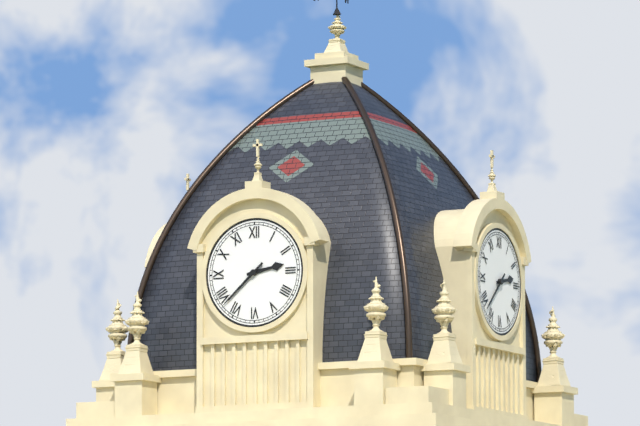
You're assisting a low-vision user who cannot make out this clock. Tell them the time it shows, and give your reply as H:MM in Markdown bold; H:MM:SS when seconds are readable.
**2:38**
